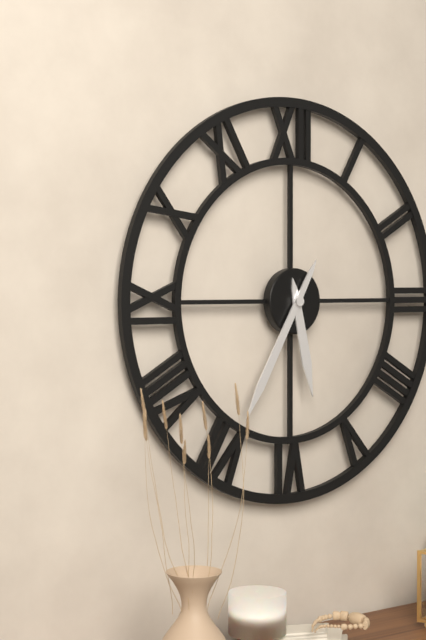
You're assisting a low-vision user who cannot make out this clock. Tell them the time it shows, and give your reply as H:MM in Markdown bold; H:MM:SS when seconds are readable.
**5:35**
